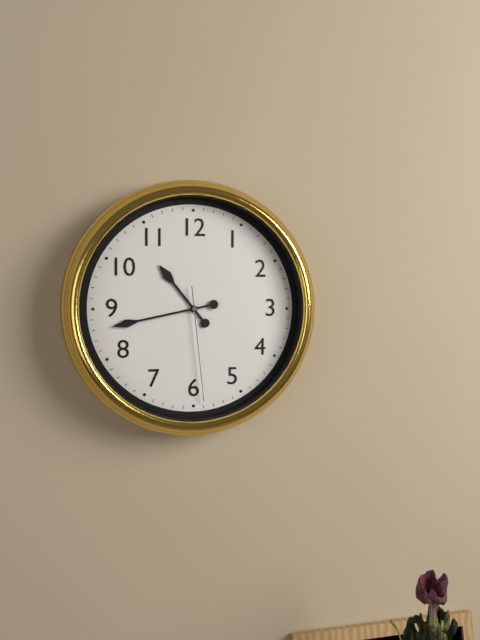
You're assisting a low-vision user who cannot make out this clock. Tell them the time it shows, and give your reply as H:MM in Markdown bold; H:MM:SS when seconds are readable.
**10:43:29**
